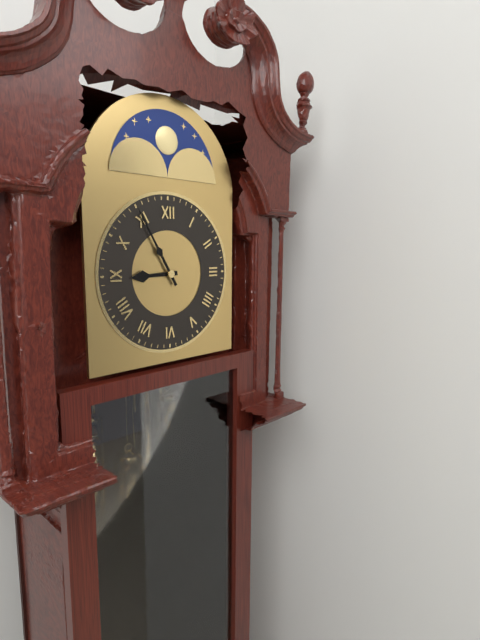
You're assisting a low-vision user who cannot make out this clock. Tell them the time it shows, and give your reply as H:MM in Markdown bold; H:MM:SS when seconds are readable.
**8:55**
